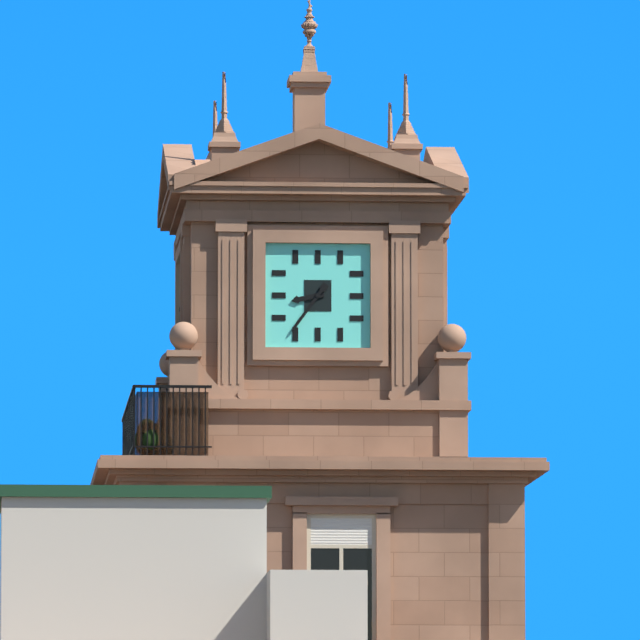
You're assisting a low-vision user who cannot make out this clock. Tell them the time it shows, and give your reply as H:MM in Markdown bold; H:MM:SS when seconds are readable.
**8:36**
